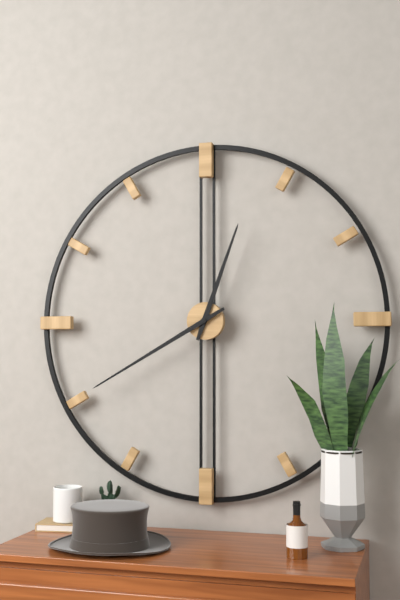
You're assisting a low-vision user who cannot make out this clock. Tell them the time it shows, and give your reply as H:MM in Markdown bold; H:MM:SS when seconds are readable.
**12:40**
